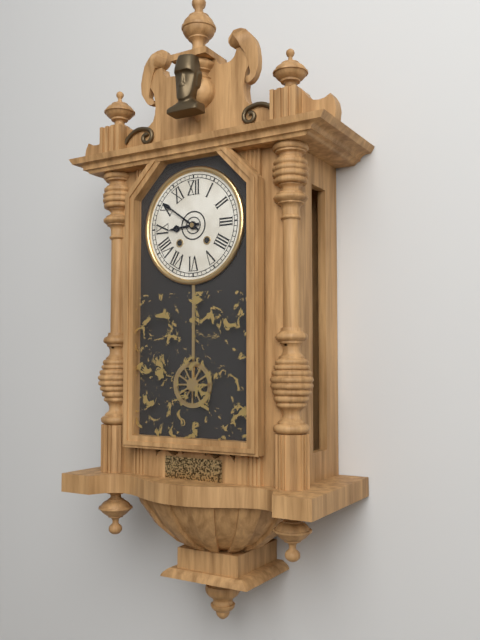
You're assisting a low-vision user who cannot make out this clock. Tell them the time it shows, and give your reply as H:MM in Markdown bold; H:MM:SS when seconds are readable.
**8:51**
